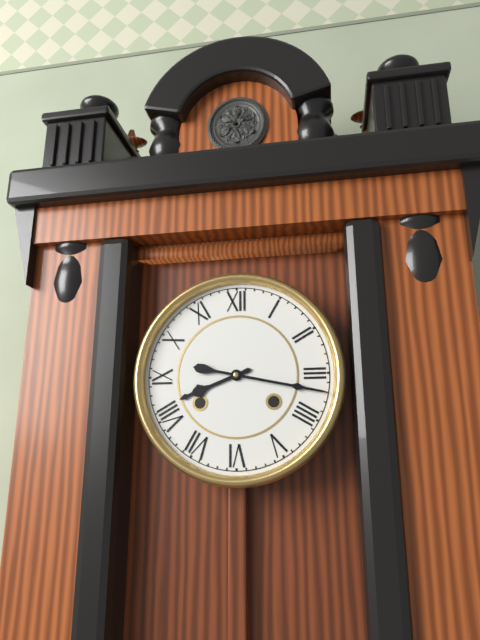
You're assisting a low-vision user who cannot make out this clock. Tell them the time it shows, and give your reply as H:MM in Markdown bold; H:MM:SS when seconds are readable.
**8:17**
